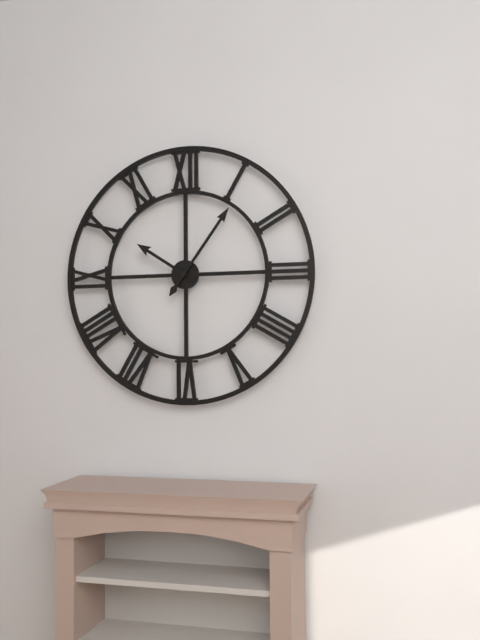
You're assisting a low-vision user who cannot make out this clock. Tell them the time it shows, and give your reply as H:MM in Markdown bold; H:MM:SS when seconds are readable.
**10:06**
